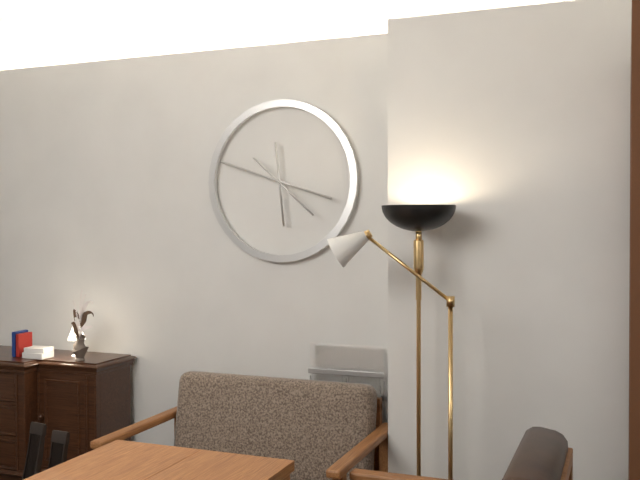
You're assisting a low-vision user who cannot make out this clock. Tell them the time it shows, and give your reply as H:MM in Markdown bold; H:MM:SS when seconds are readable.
**5:48:22**
